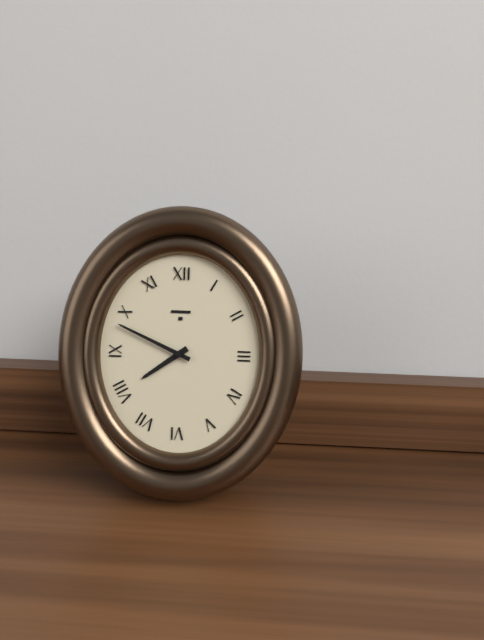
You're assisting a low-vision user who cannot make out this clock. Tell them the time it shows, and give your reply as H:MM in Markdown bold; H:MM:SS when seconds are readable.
**7:49**
